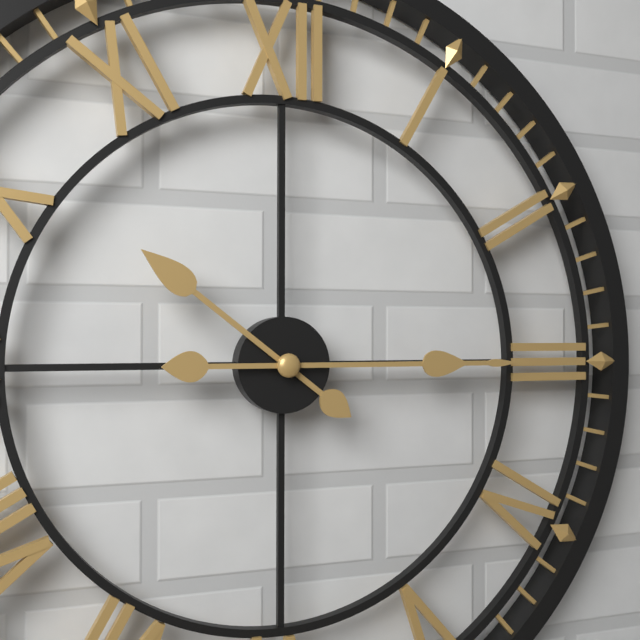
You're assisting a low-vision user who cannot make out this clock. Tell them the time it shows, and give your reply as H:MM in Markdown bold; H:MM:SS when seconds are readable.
**10:15**
